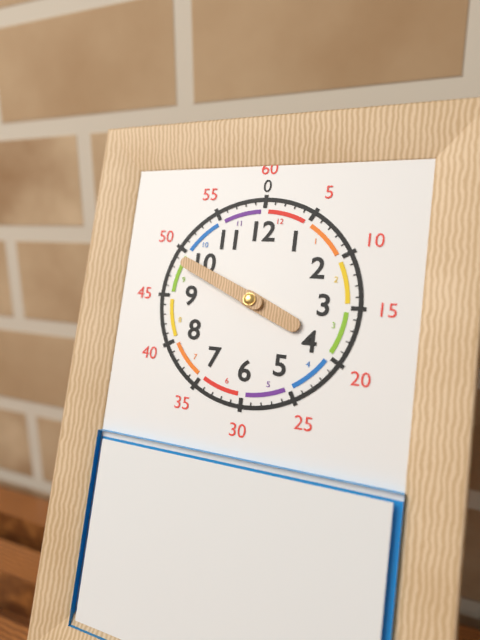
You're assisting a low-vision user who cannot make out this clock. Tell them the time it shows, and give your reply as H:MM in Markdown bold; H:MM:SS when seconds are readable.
**3:49**
